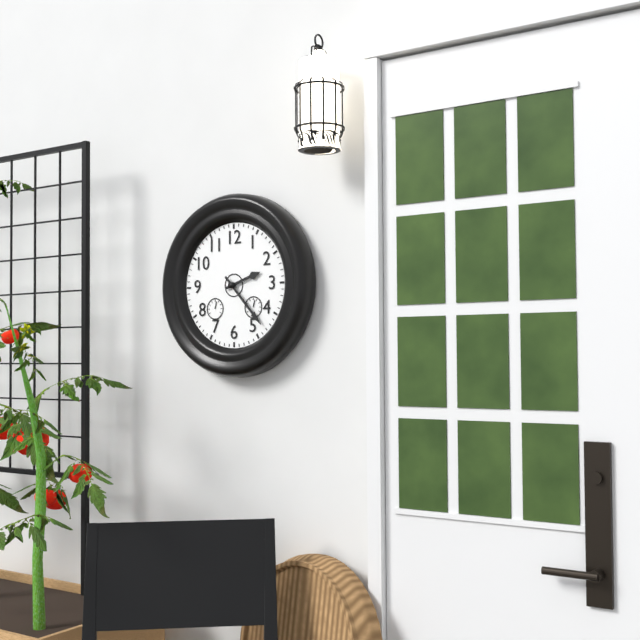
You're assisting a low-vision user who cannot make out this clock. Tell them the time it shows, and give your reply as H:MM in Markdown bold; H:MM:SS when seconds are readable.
**2:23**
